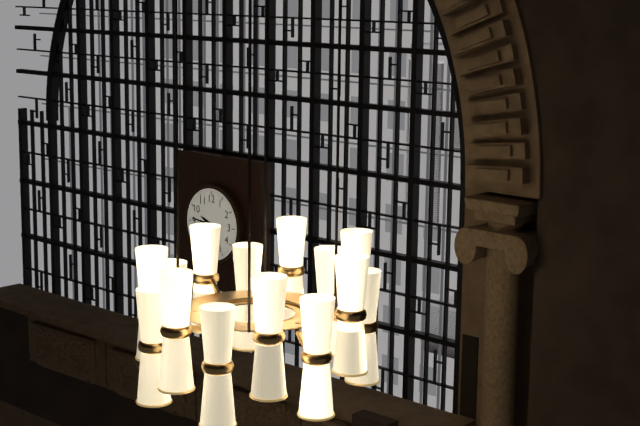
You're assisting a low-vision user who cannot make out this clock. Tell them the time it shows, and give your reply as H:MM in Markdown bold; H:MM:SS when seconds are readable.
**9:46**
